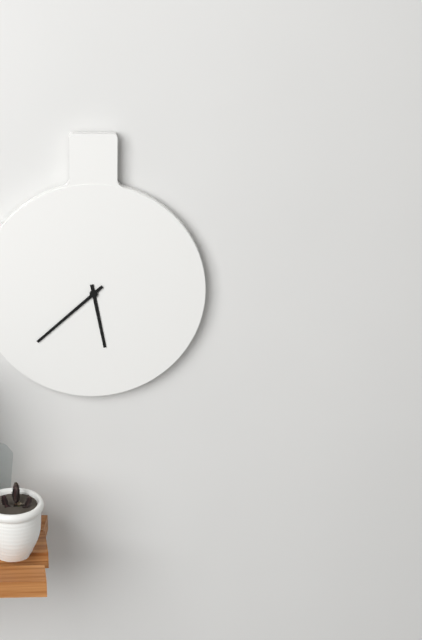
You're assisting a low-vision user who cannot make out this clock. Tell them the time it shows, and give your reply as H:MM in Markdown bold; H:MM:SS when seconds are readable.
**5:38**
